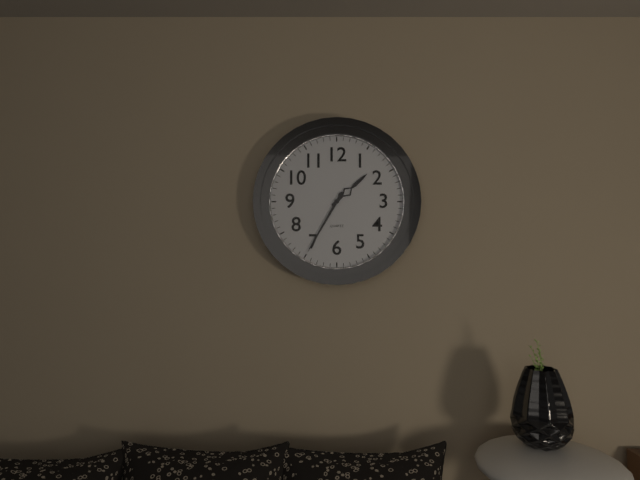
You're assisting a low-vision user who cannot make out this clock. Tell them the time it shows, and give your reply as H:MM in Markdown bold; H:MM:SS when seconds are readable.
**1:35**
